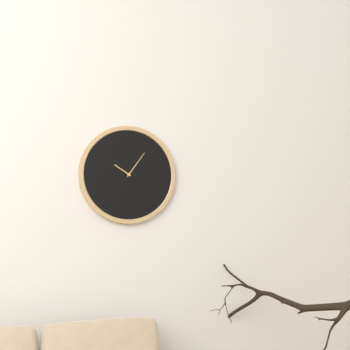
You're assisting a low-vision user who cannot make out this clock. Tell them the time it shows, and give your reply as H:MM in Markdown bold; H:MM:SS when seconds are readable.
**10:06**
